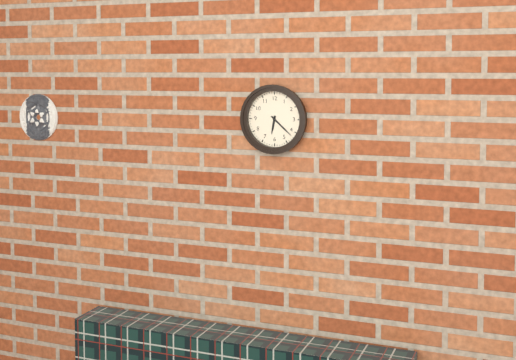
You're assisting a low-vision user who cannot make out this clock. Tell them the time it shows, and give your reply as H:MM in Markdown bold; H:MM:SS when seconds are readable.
**6:22**
